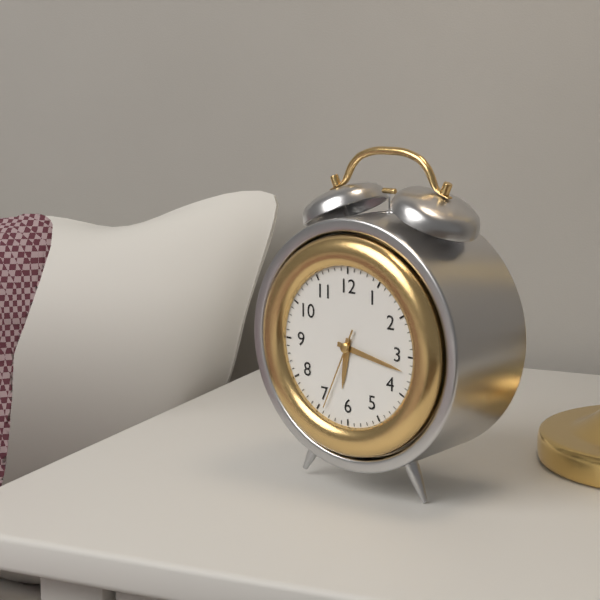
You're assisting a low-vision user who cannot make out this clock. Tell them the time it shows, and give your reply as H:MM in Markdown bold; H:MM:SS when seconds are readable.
**6:17:34**
